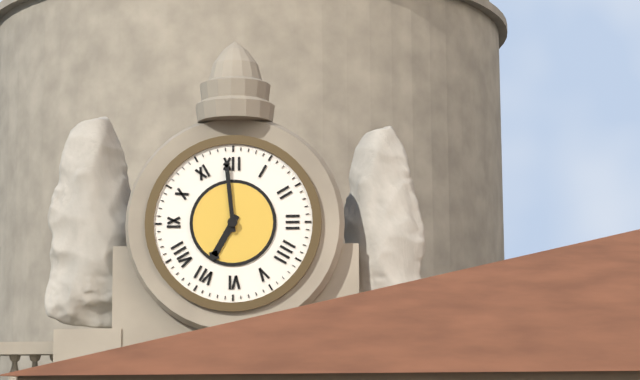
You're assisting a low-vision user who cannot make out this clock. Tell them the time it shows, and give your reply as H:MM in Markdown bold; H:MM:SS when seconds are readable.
**6:59**
